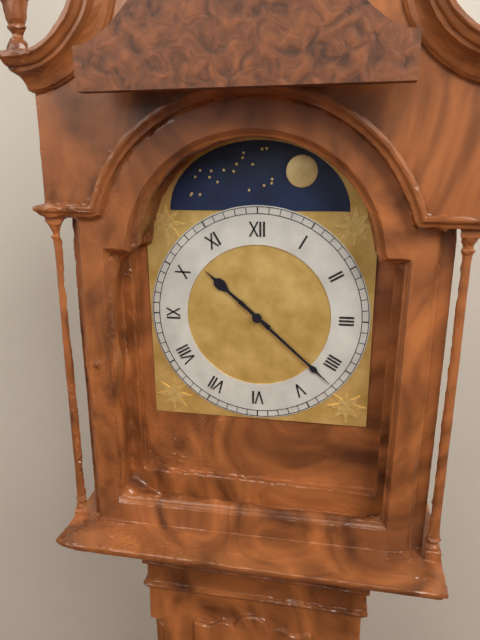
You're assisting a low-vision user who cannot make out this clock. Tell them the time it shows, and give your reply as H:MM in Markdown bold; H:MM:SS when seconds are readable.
**10:22**
